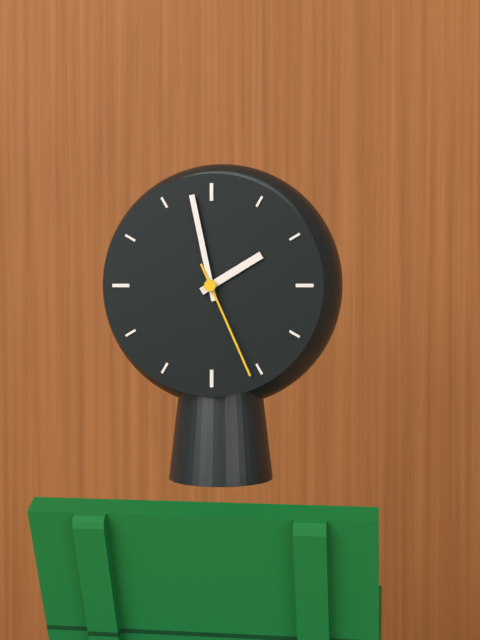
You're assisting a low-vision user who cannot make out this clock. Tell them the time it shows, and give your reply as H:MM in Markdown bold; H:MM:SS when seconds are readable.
**1:58:26**
